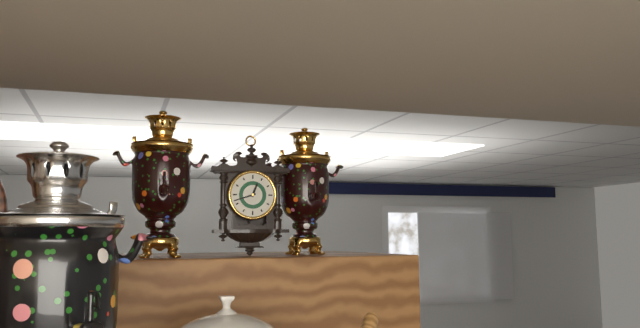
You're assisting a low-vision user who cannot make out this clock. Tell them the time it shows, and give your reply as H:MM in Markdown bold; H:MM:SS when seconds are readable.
**12:42**
